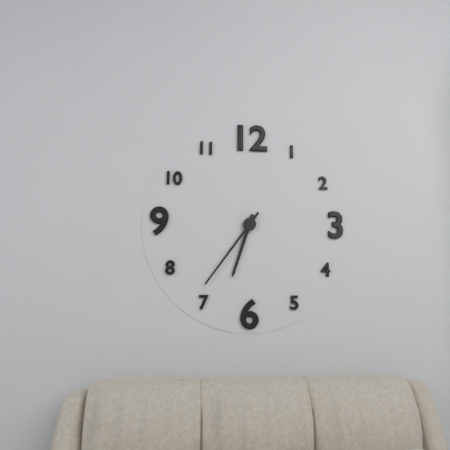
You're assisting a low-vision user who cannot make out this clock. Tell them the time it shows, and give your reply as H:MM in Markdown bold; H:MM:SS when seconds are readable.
**6:36**
